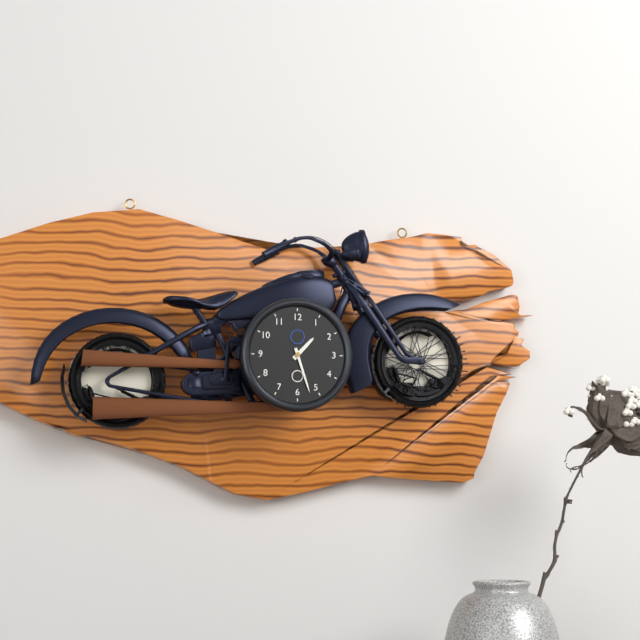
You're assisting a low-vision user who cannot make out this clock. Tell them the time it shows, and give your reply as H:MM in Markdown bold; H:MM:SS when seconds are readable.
**1:27**
